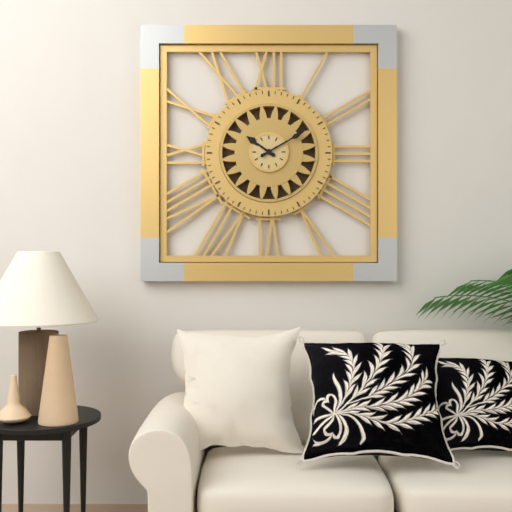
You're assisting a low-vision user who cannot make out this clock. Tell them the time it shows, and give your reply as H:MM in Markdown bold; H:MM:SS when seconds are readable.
**10:10**
